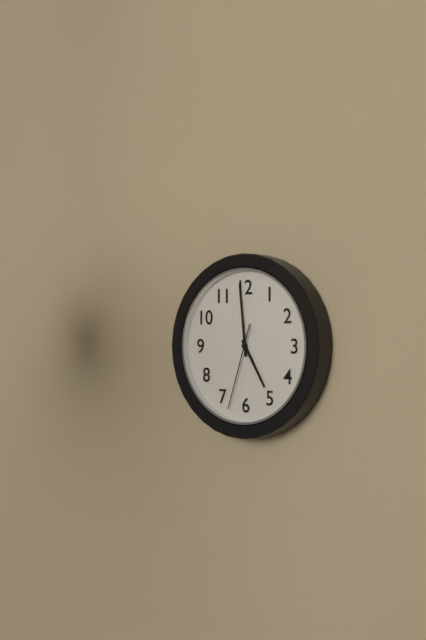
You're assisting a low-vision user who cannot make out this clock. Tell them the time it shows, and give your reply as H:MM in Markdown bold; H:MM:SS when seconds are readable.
**4:59:33**
